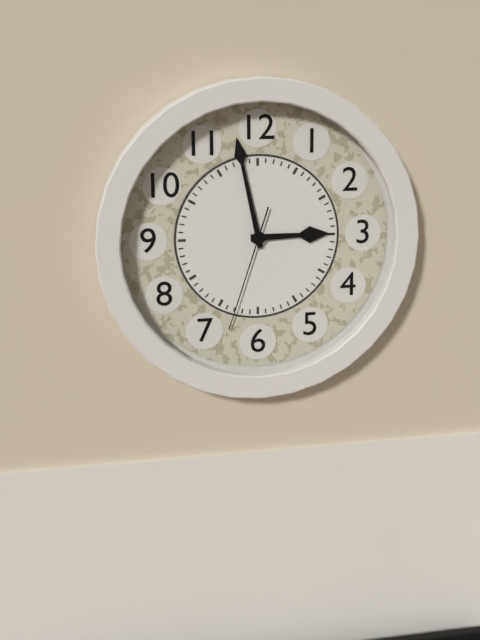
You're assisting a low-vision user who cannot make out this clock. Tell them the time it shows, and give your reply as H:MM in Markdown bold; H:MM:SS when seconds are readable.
**2:58:33**
